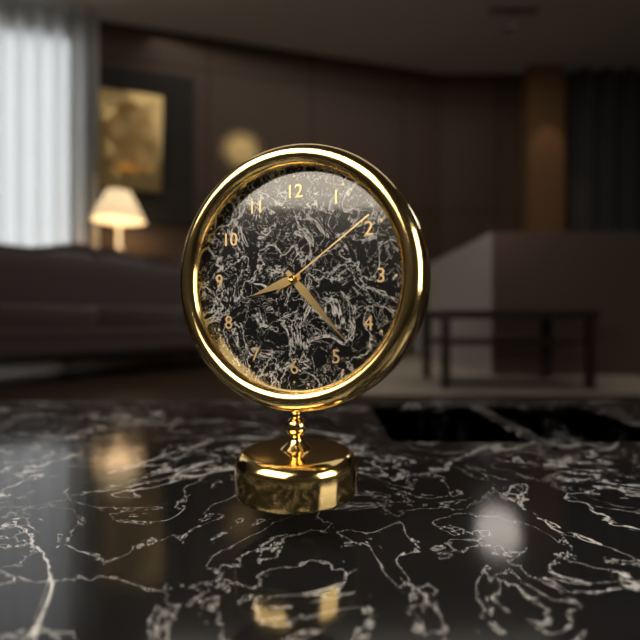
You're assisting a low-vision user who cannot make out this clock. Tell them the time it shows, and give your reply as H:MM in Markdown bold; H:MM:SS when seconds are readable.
**8:23:09**
